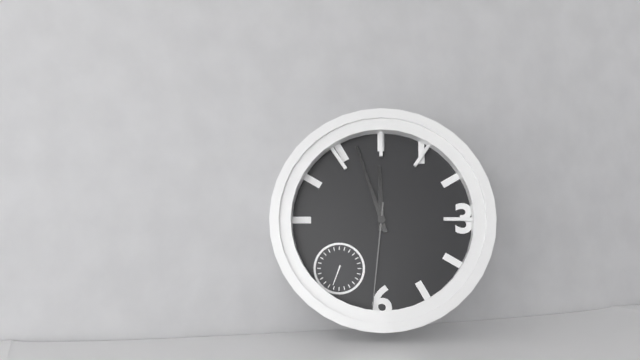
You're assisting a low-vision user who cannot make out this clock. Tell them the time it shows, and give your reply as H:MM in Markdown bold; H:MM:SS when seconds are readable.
**11:57:31**
